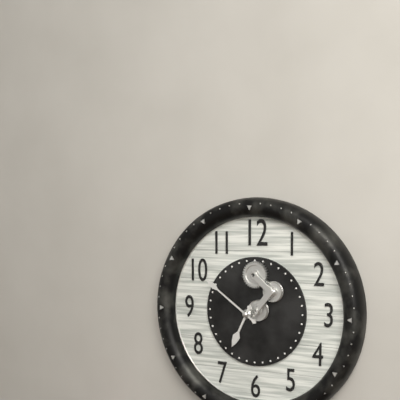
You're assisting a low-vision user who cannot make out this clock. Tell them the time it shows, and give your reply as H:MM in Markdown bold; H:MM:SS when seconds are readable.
**6:51**
